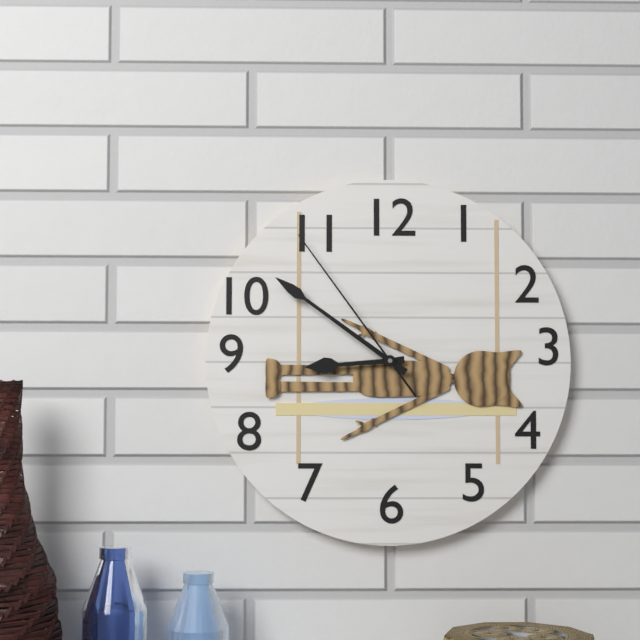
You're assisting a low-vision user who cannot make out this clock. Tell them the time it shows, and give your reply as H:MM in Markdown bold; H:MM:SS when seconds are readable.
**8:51:54**
